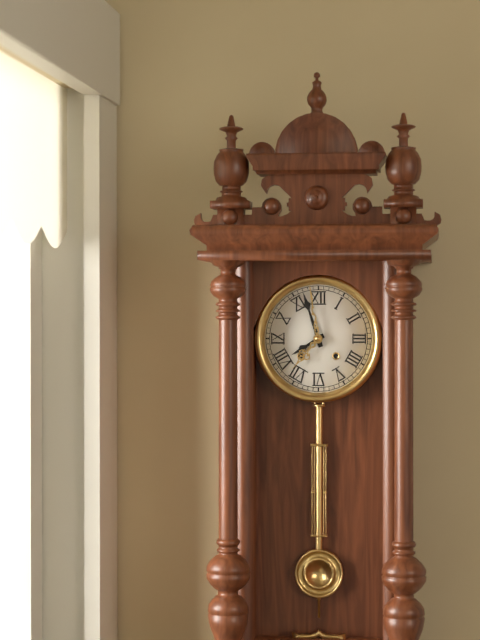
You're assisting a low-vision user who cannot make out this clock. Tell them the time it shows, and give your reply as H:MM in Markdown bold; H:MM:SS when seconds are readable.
**7:57**
